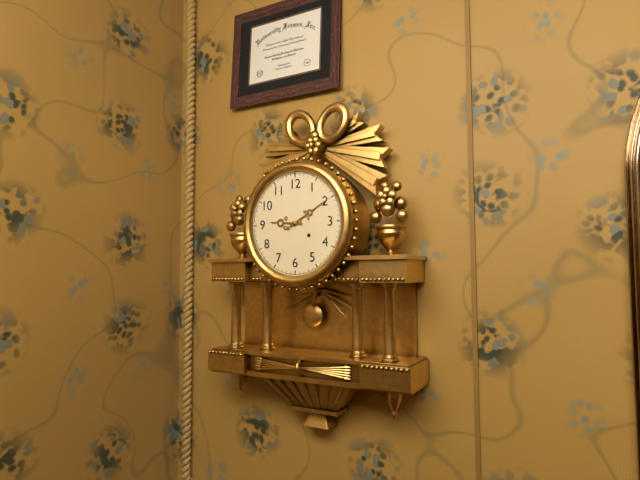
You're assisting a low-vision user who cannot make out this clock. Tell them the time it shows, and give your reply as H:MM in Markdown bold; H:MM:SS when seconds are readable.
**9:10**
